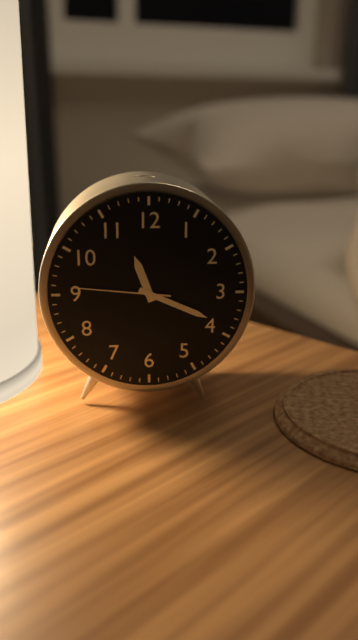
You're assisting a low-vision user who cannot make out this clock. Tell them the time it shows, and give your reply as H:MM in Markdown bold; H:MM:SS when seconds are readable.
**11:19:46**
